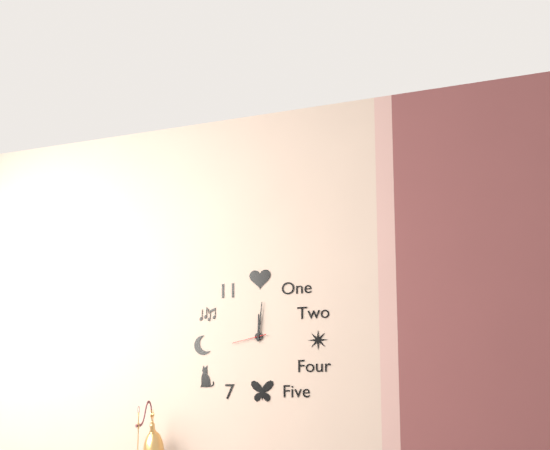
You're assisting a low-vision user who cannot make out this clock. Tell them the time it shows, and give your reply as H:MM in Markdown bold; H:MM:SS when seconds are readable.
**12:01**
